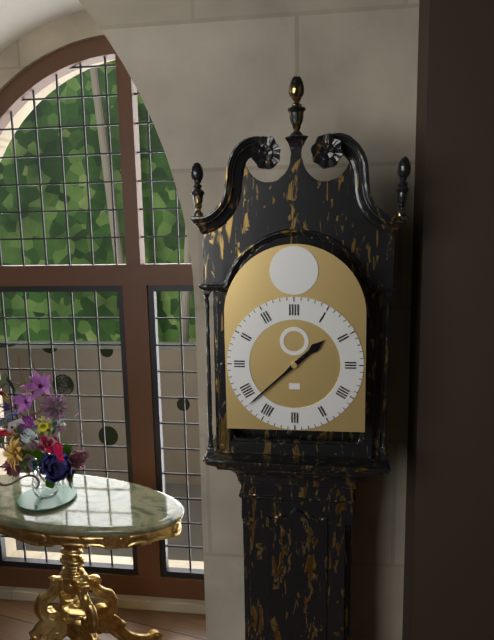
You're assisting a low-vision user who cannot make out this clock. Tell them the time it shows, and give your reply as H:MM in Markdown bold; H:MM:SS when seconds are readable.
**1:38**
